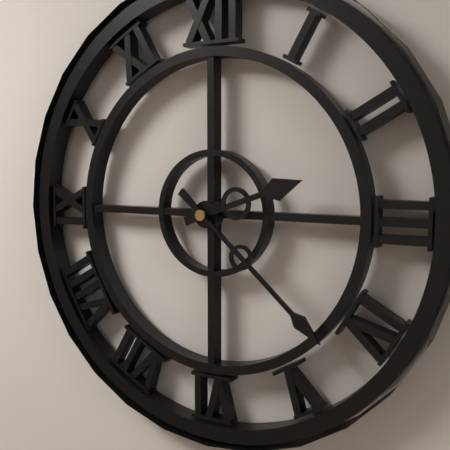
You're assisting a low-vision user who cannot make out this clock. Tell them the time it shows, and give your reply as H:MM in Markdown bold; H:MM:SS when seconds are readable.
**2:22**
